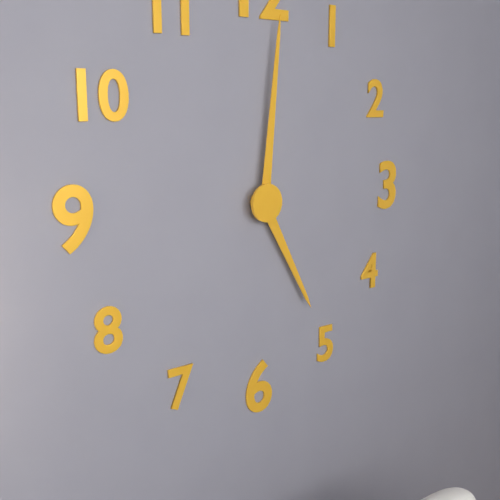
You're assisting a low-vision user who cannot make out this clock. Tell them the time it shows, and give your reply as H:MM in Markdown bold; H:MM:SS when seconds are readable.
**5:01**
